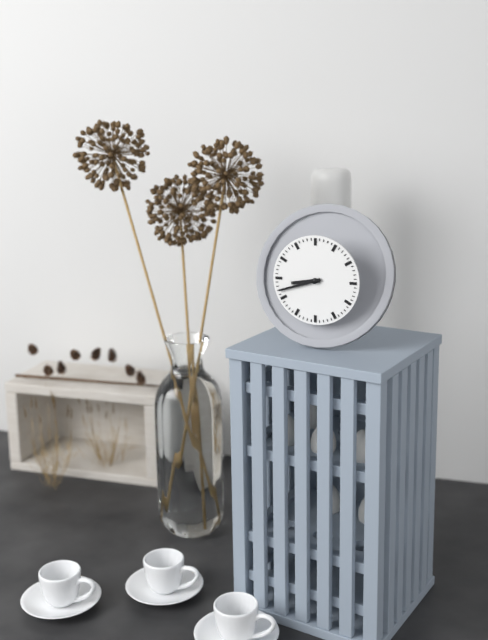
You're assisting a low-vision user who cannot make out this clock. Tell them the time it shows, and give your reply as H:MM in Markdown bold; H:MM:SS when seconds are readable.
**8:42**
